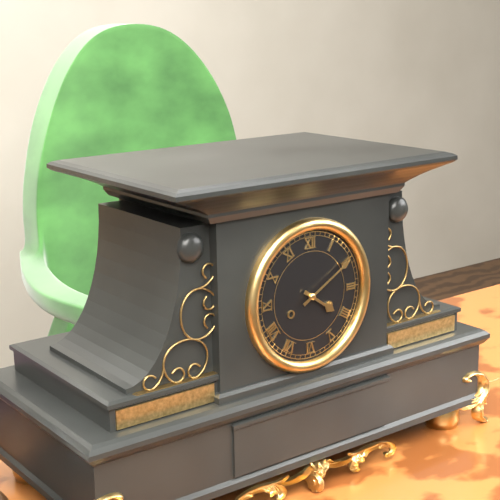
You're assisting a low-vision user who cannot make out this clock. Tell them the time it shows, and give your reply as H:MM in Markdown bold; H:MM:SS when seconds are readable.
**4:10**
